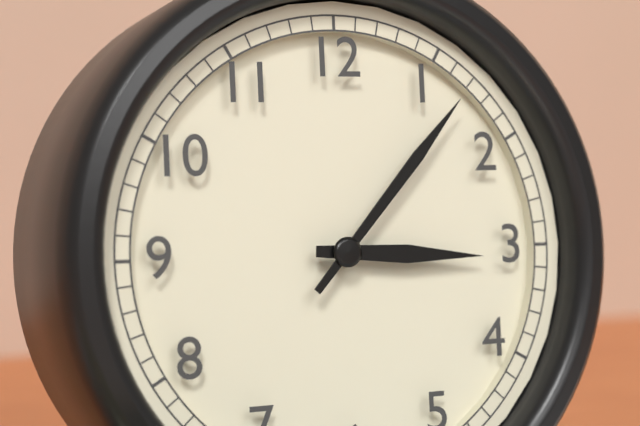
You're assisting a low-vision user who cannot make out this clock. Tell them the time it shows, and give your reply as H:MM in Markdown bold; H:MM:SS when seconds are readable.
**3:07**
